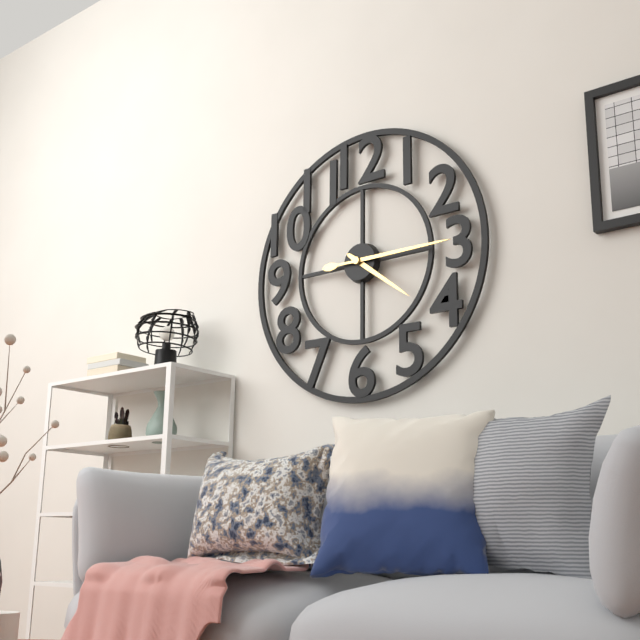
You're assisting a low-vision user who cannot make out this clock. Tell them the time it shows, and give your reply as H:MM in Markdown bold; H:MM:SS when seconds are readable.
**4:15**
